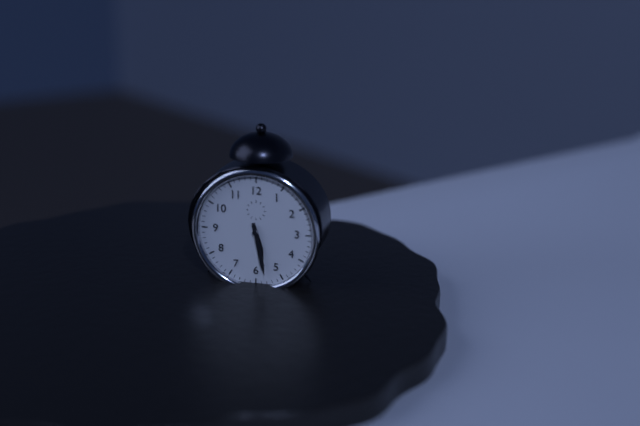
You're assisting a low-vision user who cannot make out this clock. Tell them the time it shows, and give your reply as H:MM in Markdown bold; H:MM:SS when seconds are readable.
**5:28**
